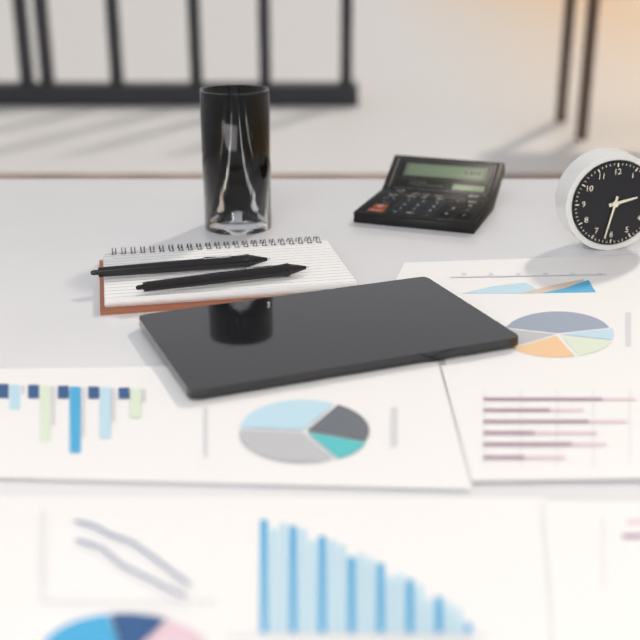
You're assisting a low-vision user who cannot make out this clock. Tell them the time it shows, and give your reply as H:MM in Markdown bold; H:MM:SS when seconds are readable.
**2:32**
